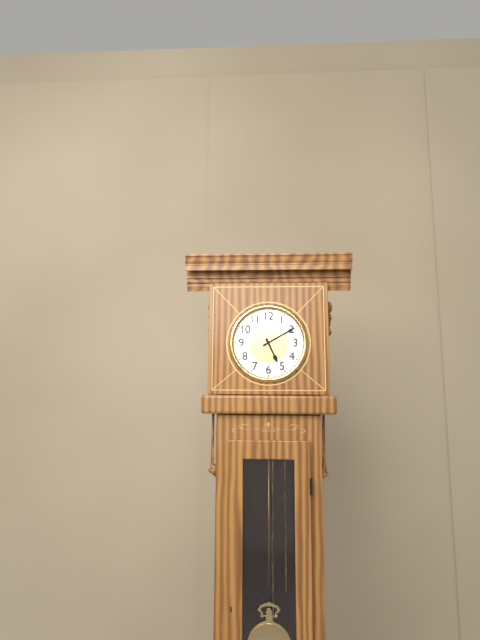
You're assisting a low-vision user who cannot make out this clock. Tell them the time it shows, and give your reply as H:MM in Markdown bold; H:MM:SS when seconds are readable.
**5:10**
